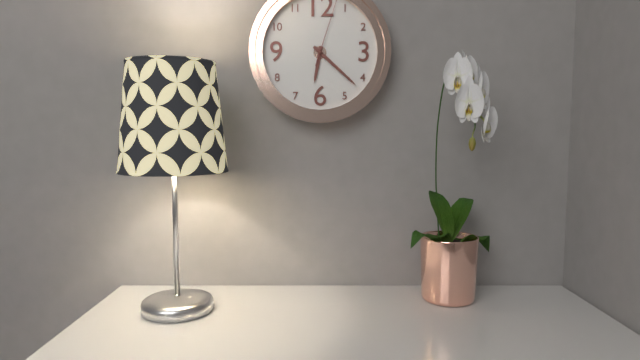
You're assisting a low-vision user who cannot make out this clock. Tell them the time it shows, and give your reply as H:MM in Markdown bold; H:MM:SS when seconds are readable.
**6:22**
